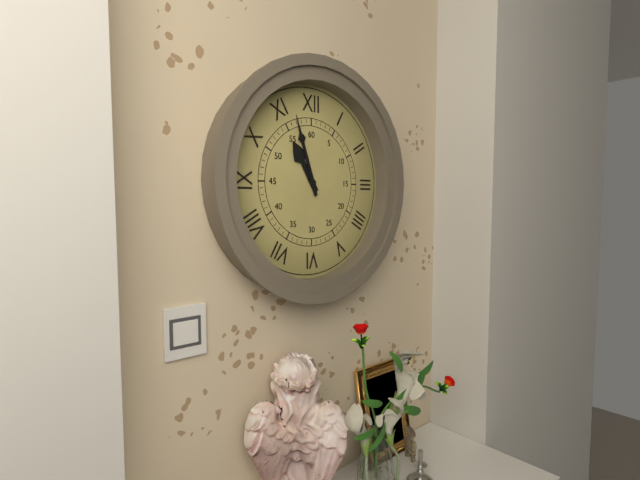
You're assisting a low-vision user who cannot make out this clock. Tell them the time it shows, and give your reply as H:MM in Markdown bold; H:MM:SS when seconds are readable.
**10:57**
